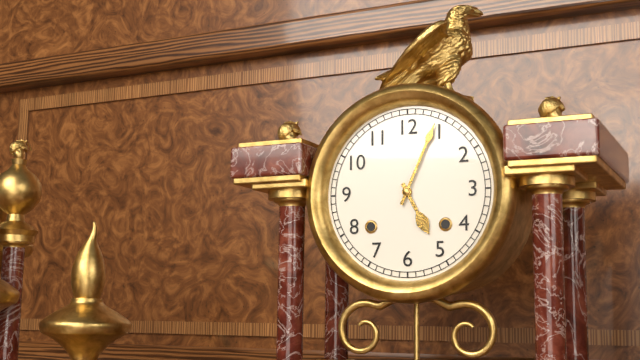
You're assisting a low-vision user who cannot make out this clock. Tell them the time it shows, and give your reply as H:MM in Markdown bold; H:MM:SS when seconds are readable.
**5:04**
